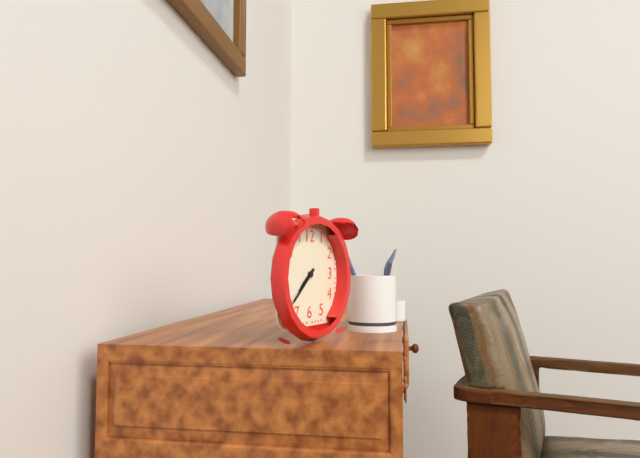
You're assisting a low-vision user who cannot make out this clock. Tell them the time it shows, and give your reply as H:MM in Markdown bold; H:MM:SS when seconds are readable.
**7:38**
